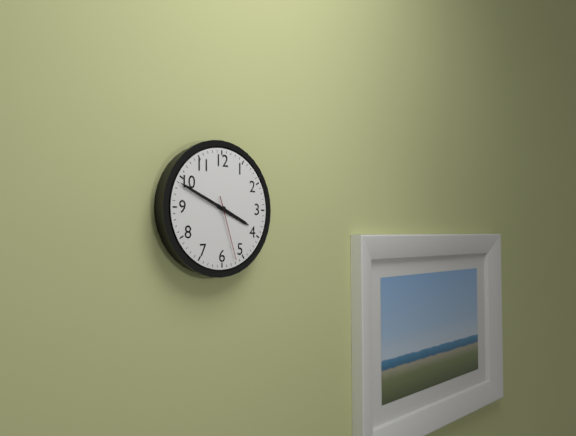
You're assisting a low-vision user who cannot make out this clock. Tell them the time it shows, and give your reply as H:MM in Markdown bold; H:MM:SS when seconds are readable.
**3:49:27**
